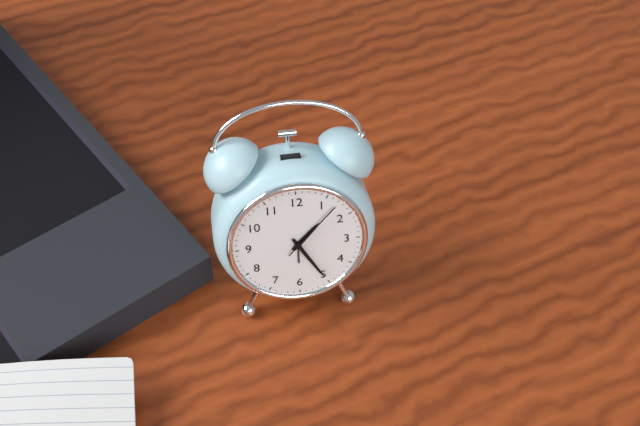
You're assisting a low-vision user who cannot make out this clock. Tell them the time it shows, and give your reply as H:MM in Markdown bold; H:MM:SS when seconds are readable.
**1:25:07**
